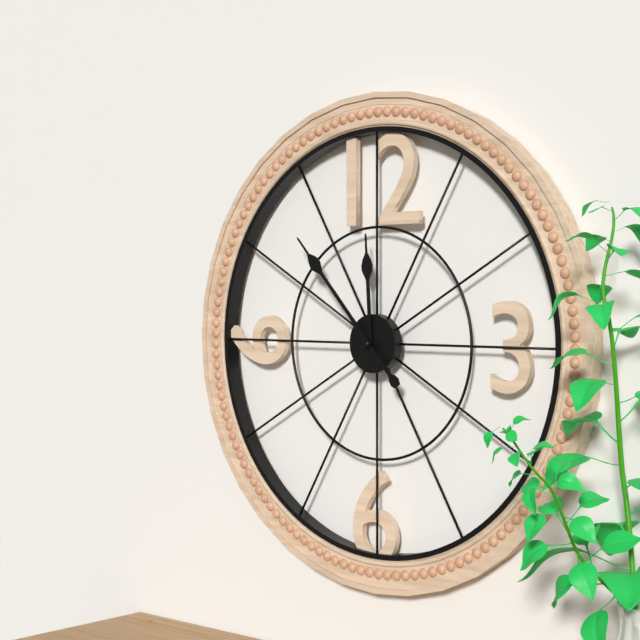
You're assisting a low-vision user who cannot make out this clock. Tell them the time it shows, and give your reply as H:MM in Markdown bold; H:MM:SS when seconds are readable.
**11:53**
